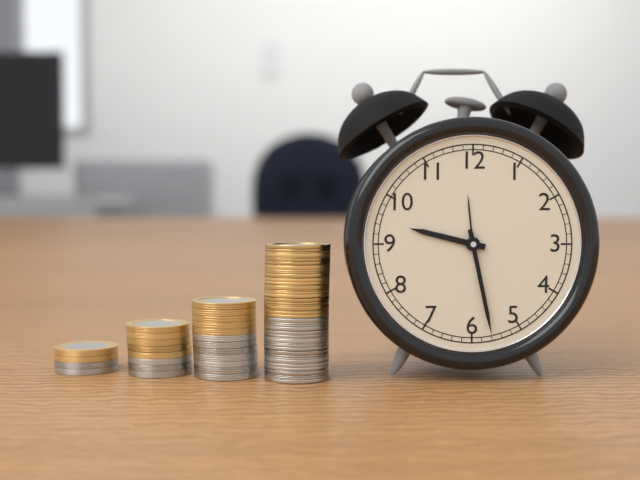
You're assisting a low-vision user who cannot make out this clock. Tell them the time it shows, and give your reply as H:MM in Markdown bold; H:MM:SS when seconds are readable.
**9:28**
